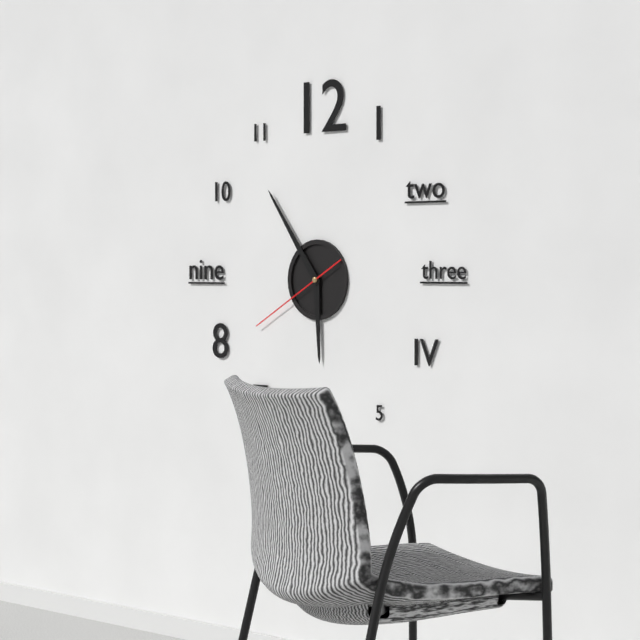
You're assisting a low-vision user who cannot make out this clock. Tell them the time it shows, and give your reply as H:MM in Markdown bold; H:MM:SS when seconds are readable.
**5:54:40**
